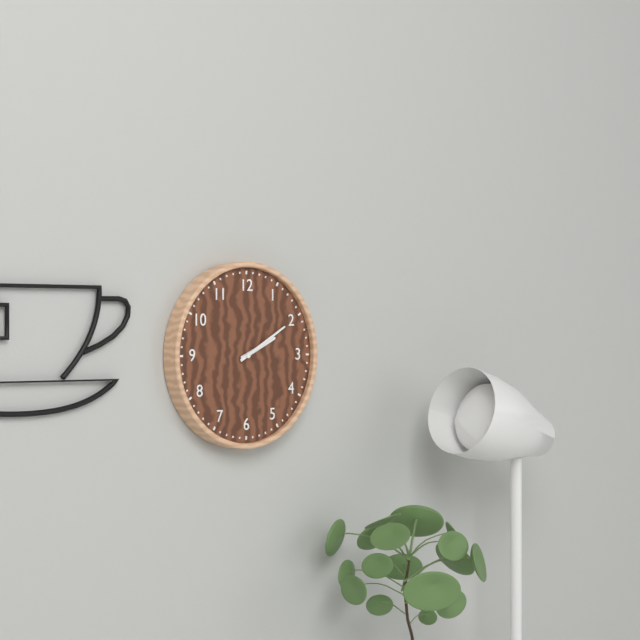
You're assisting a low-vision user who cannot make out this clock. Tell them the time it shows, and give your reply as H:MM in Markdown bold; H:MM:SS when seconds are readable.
**2:10**
